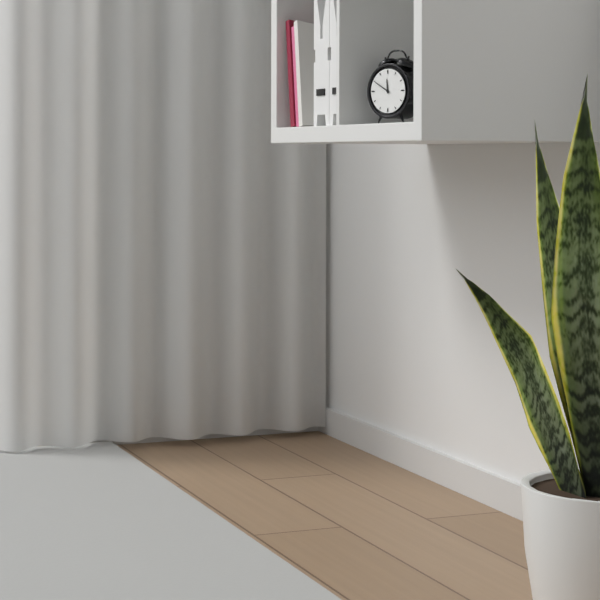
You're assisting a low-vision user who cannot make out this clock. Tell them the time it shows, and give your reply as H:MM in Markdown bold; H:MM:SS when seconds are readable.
**11:50**
